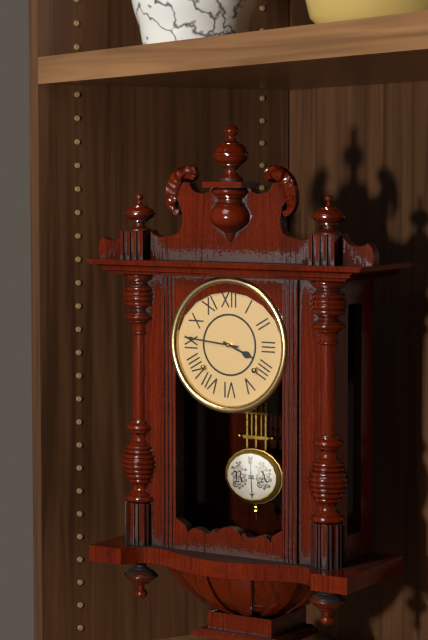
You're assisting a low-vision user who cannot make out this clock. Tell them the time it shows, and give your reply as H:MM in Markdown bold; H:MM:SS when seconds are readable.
**3:46**
